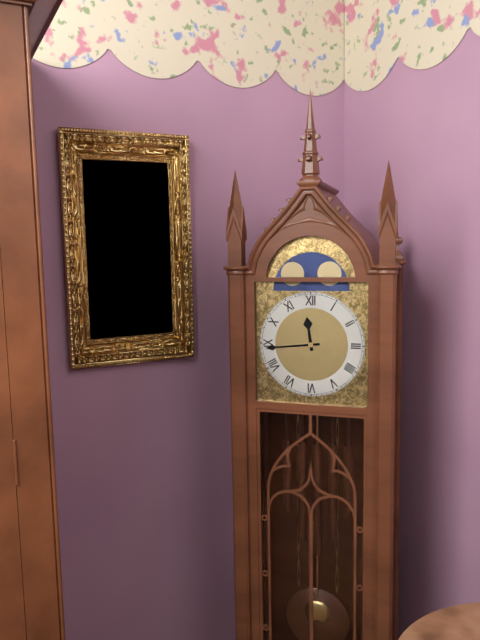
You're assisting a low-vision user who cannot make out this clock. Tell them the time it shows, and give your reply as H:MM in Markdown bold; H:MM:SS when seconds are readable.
**11:44**
